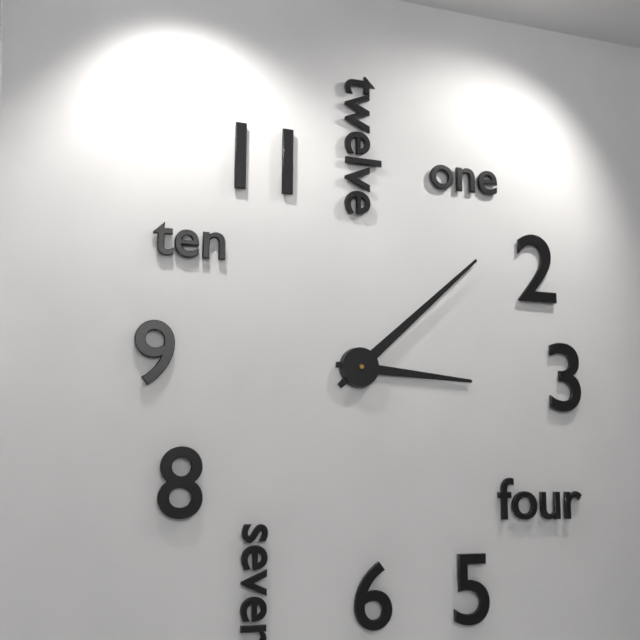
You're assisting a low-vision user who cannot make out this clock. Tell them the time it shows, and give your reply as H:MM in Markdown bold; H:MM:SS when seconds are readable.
**3:08**
